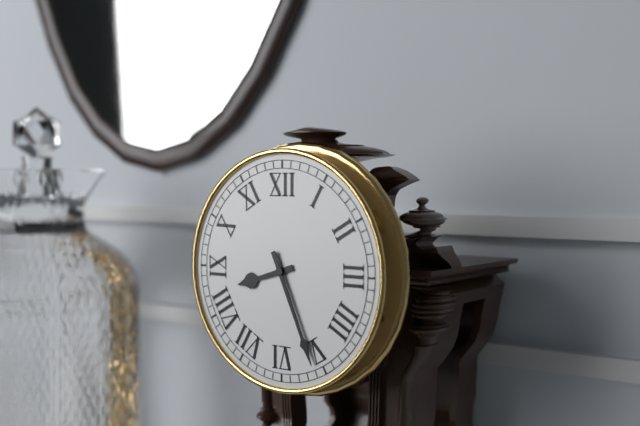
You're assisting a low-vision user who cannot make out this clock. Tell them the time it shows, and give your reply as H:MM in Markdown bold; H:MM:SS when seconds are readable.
**8:26**
